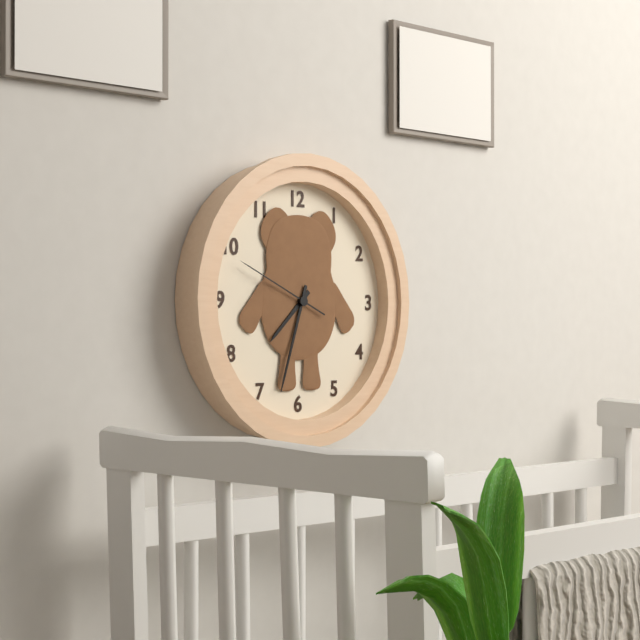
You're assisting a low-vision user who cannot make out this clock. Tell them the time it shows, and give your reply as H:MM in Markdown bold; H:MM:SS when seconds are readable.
**7:33:49**
